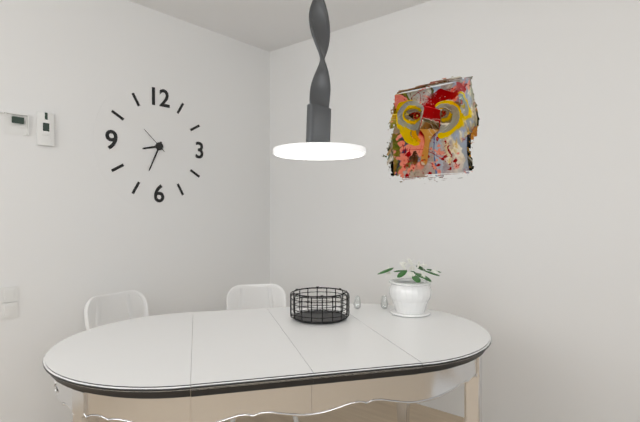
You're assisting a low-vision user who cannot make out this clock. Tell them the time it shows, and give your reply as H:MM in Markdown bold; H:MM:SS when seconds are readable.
**8:34**
